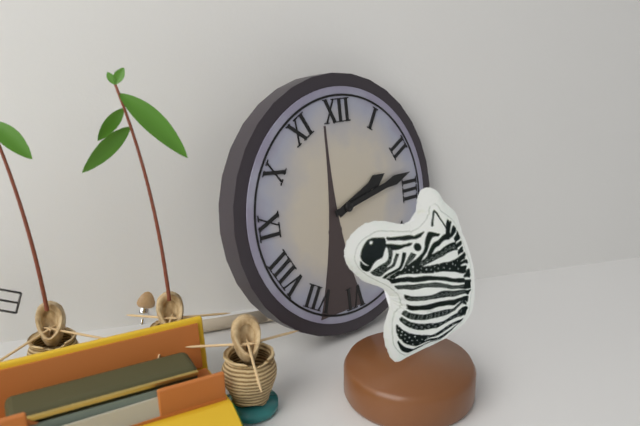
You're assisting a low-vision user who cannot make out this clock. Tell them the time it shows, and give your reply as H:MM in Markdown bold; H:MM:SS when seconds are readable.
**2:13**
